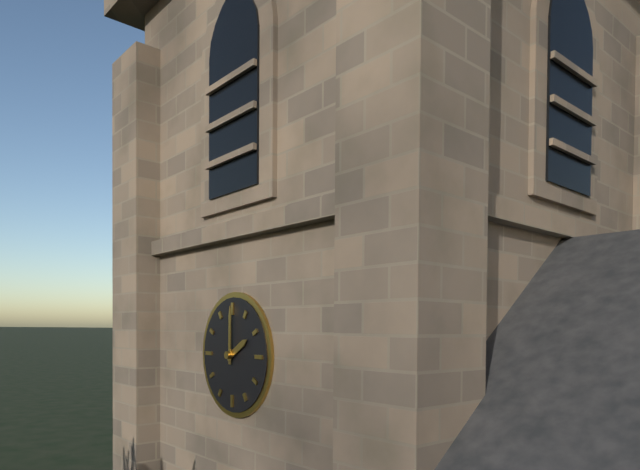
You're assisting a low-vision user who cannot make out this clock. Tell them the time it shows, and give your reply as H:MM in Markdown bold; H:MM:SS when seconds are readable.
**2:00**
